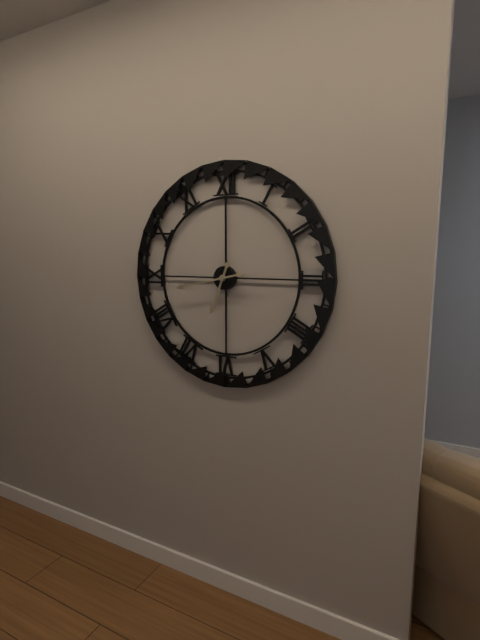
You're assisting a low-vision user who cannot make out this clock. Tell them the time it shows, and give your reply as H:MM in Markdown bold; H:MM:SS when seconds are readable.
**6:43**
